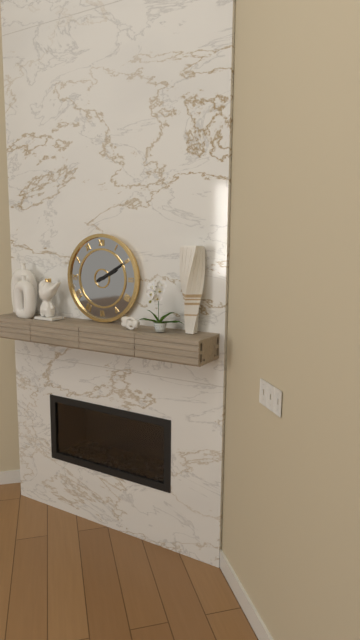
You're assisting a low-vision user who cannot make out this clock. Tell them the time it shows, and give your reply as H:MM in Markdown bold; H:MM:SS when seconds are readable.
**2:10**
